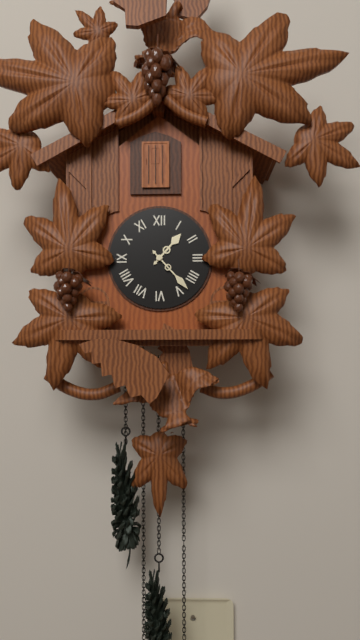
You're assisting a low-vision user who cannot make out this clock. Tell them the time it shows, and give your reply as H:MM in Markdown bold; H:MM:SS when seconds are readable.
**1:23**
